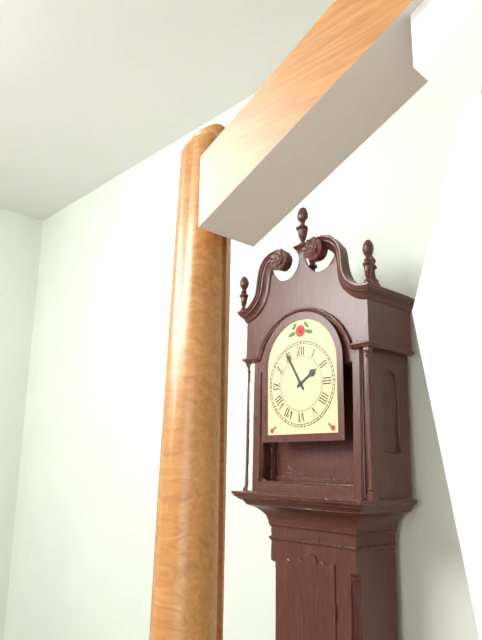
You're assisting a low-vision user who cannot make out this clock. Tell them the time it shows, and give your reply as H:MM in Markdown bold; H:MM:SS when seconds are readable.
**1:55**
